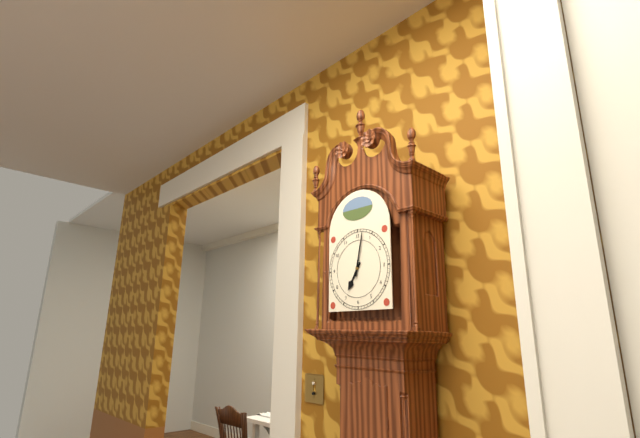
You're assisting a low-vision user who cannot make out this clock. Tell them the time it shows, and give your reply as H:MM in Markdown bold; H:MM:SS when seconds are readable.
**7:02**
